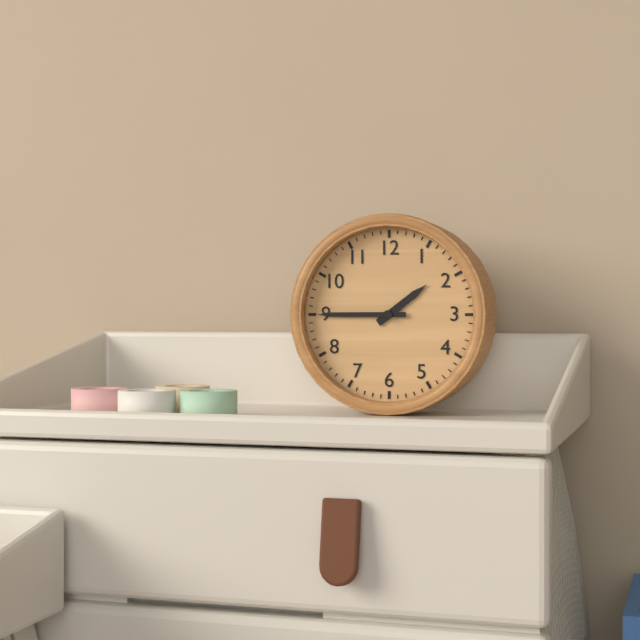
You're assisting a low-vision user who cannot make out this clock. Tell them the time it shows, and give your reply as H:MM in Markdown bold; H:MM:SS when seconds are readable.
**1:45**
